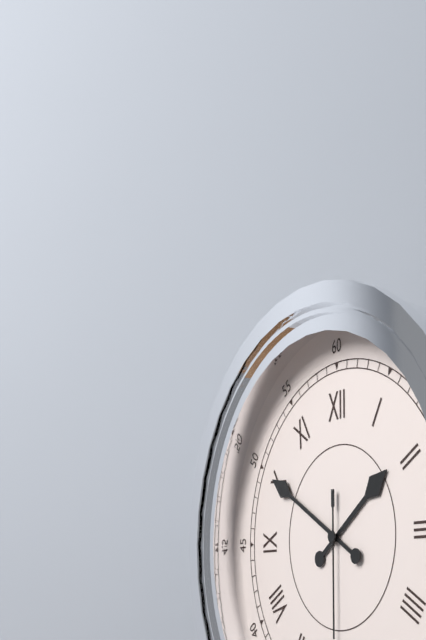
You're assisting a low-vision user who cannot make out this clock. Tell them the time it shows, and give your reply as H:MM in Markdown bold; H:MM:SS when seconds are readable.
**1:50:30**
